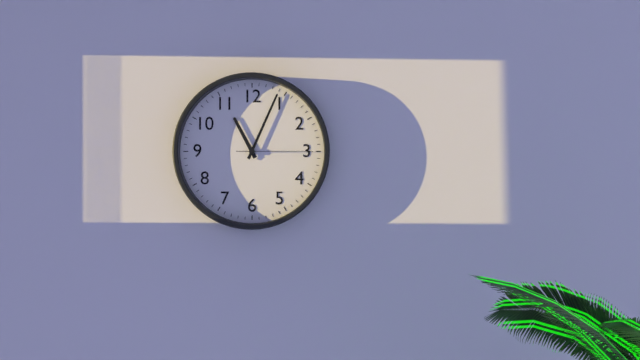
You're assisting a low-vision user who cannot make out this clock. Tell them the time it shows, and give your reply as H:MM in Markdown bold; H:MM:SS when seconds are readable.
**11:04:15**
